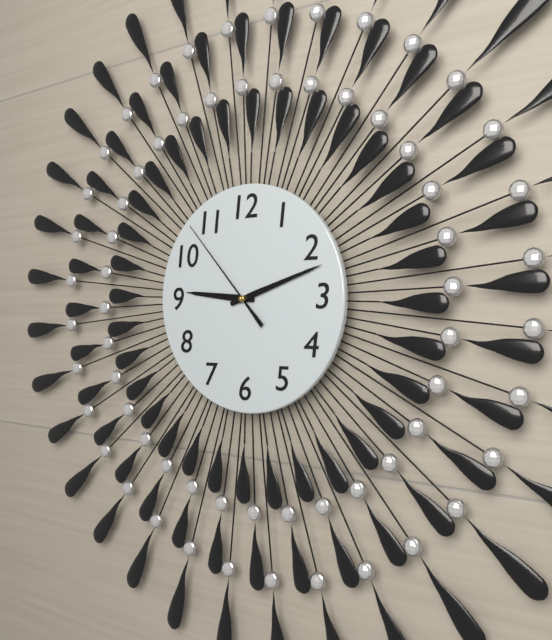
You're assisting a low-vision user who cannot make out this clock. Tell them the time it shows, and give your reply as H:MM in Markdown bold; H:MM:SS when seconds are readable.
**9:12:53**
